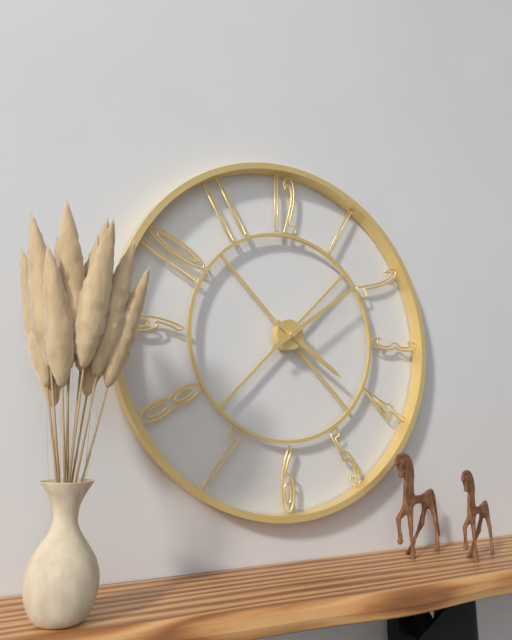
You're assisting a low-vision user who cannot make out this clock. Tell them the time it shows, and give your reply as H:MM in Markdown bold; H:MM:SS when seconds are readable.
**4:09**
